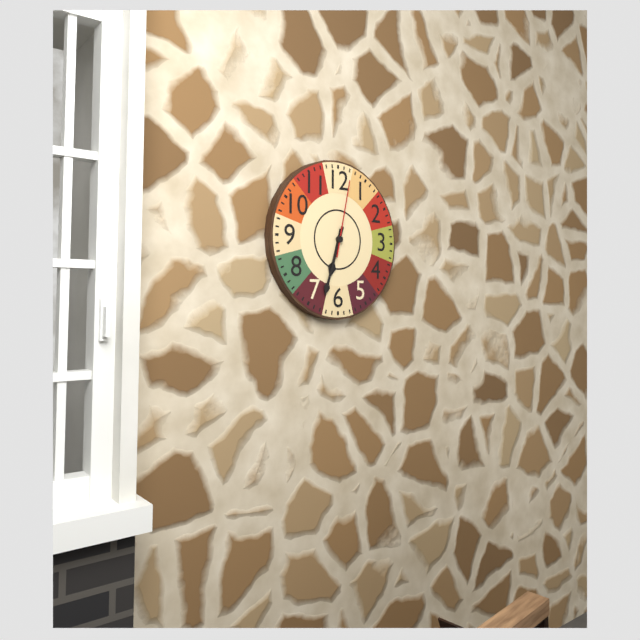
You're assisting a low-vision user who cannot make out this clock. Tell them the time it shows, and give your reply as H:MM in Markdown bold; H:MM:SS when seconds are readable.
**6:33:02**
